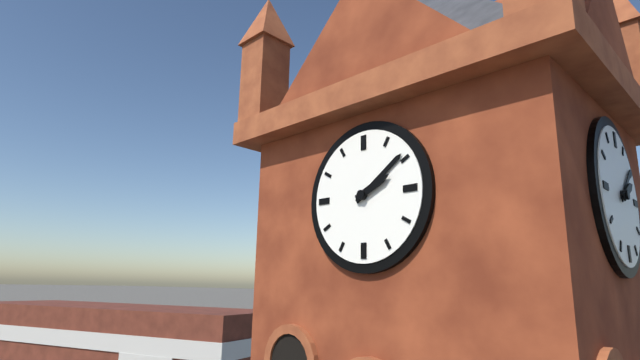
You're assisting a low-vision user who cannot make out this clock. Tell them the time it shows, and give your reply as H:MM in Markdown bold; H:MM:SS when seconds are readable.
**2:09**
